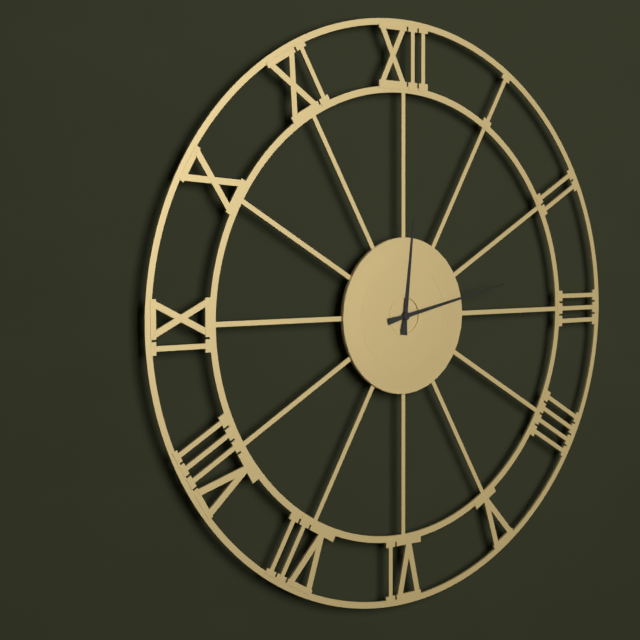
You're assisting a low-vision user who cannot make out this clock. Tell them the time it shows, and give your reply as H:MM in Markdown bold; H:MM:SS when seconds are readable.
**12:13**
